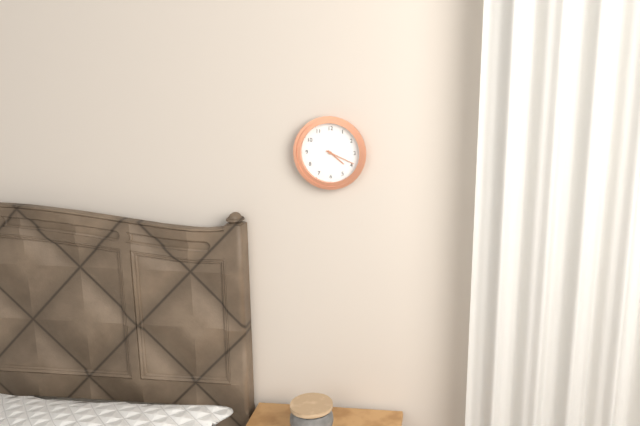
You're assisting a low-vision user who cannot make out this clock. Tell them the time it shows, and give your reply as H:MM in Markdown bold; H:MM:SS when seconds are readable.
**4:19**
